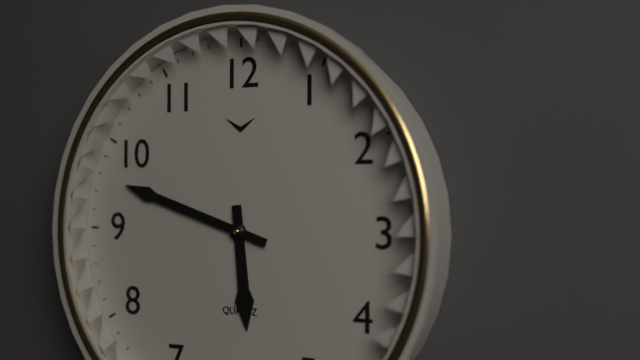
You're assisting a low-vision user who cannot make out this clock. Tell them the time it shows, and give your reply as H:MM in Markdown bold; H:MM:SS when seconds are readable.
**5:48**
